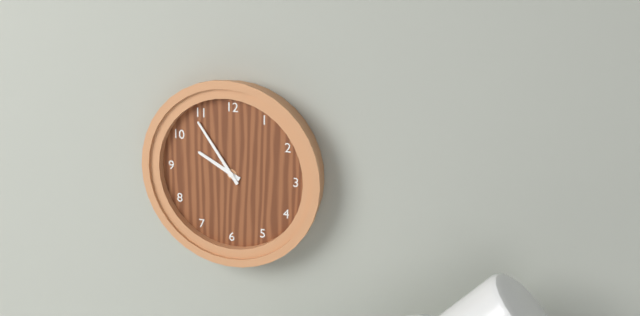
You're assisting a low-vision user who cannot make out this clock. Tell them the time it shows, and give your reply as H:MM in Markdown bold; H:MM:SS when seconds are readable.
**9:54**
